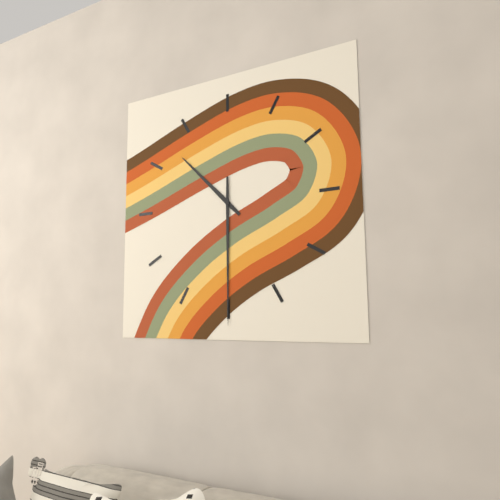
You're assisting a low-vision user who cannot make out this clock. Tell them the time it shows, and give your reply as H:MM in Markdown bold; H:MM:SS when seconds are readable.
**10:30**
